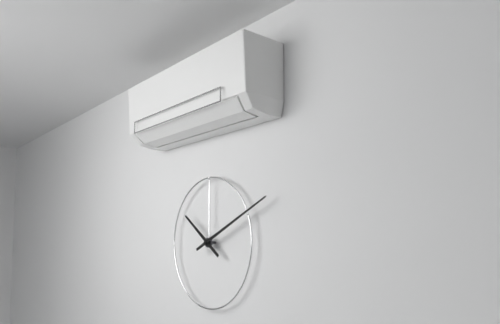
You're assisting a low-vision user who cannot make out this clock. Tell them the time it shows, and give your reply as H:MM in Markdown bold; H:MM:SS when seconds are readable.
**10:11**
